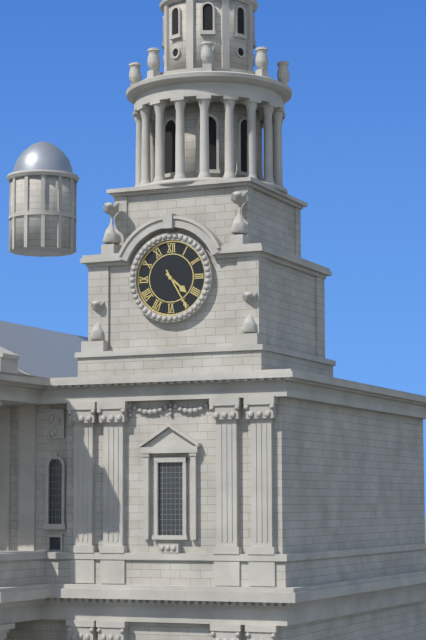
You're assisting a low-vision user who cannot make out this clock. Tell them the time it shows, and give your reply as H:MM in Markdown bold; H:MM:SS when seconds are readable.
**4:25**
